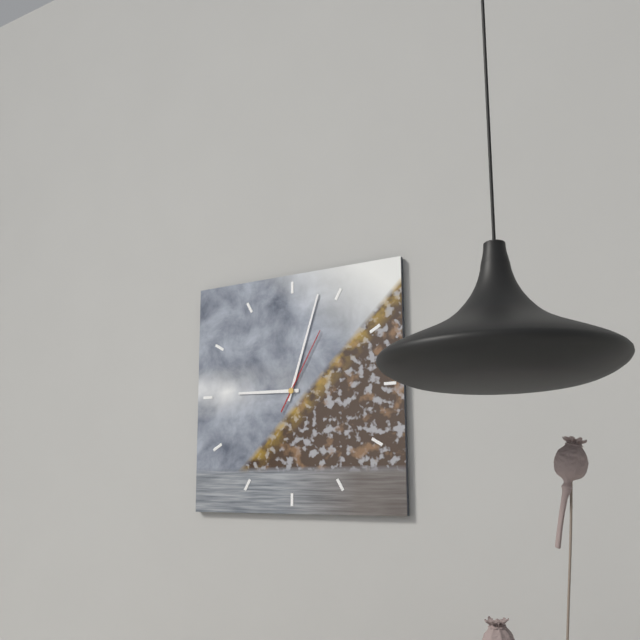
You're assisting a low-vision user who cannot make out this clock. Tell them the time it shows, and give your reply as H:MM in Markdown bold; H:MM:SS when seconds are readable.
**9:03:05**
